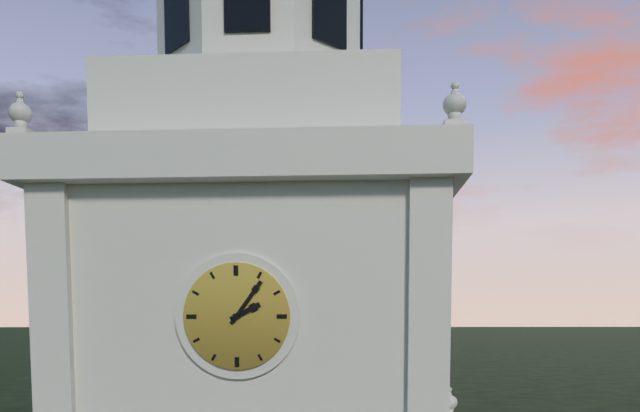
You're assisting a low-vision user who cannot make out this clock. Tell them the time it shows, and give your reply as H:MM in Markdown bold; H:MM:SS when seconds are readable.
**2:06**
